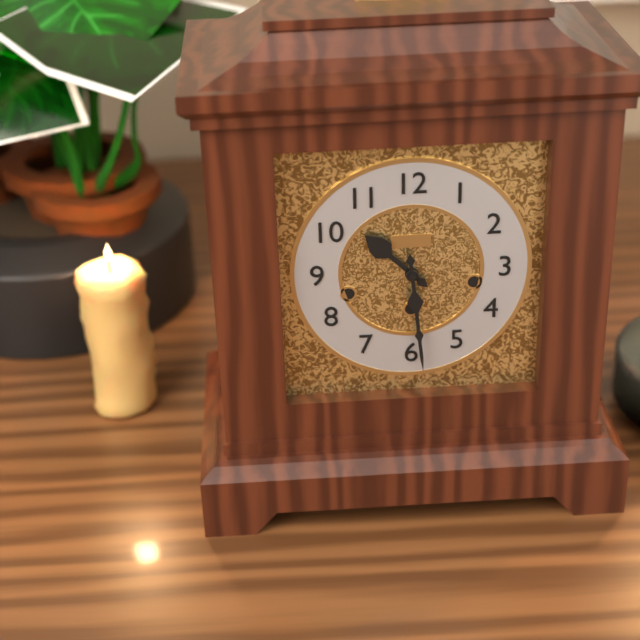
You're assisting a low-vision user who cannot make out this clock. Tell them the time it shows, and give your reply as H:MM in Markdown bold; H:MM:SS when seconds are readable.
**10:29**
